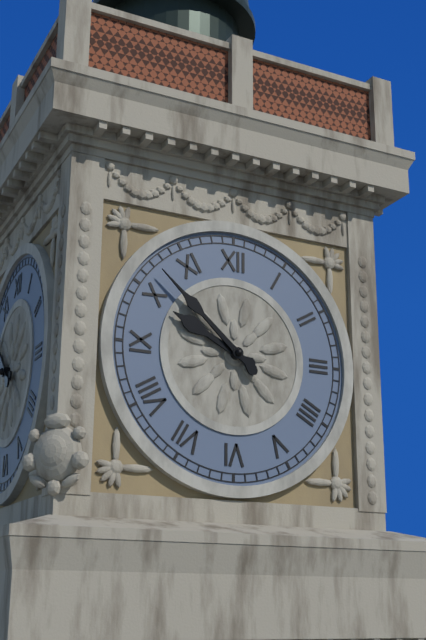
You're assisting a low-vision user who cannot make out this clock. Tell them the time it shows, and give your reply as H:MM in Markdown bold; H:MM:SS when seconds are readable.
**9:52**
